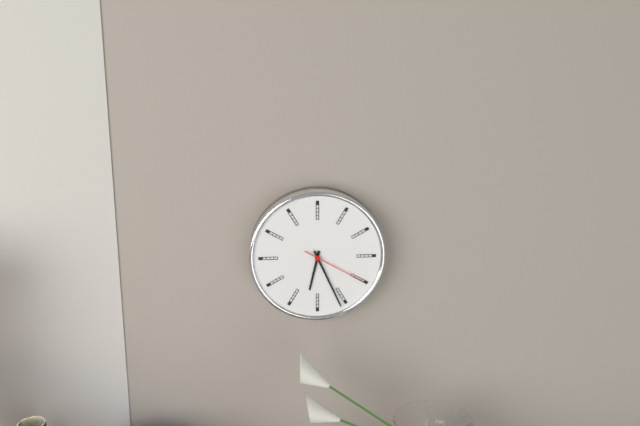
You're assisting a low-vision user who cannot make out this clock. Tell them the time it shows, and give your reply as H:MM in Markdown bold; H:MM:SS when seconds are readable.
**6:26:20**
